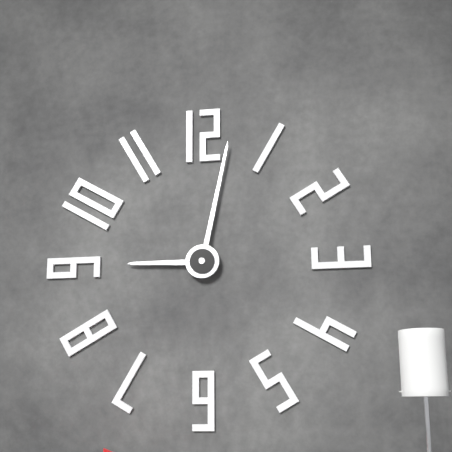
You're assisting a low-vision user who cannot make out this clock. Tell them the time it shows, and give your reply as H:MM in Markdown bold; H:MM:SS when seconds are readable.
**9:02**
